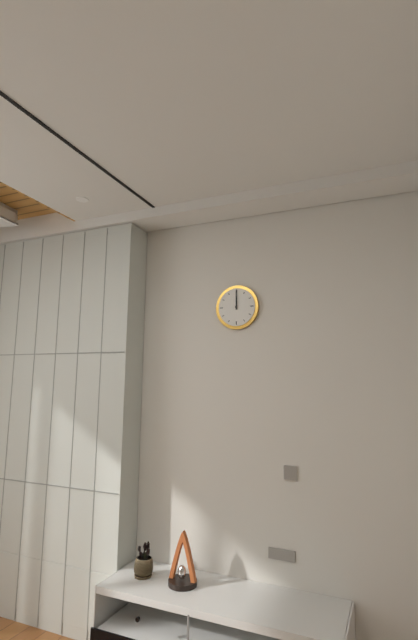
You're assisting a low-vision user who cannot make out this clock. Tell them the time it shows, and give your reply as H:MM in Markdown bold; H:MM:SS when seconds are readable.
**12:00**
